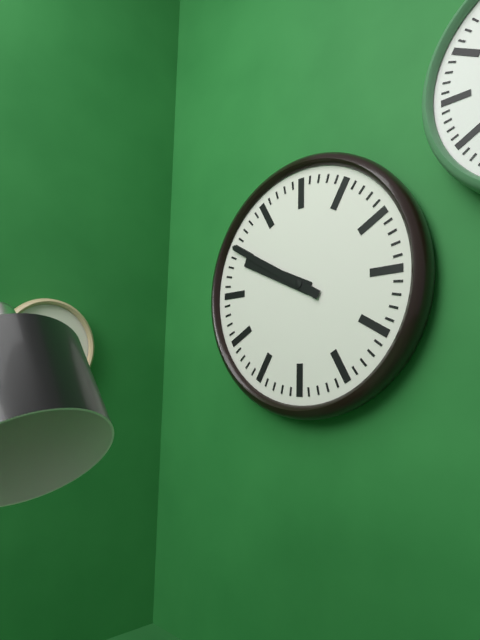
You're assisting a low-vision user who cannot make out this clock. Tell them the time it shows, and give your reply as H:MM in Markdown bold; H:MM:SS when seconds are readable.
**9:50**
